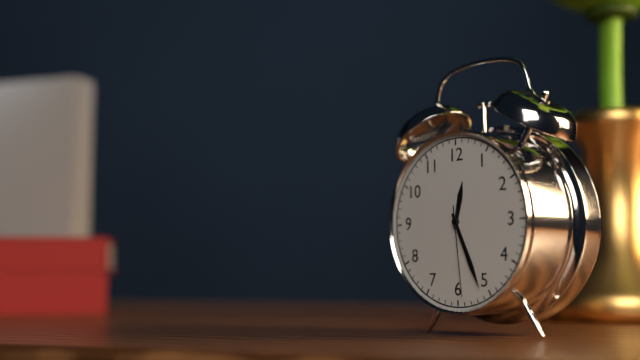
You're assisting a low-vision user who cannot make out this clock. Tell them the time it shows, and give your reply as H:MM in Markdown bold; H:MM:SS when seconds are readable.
**12:26:29**
